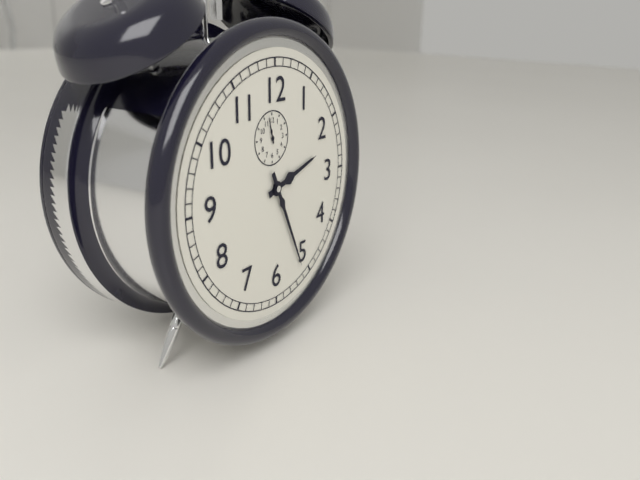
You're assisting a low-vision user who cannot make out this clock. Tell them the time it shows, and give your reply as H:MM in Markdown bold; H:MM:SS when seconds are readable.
**2:26**
